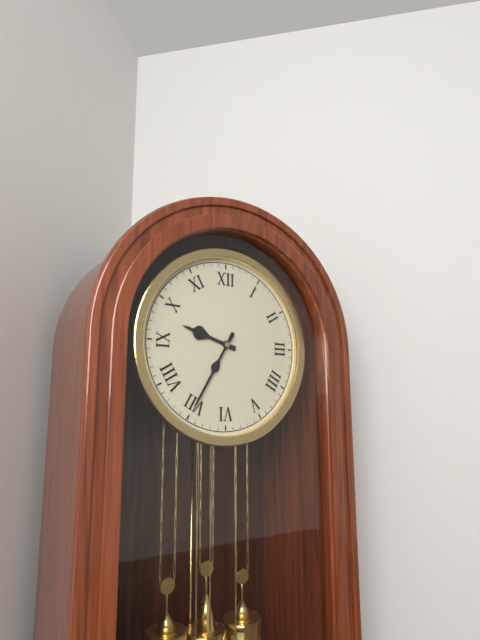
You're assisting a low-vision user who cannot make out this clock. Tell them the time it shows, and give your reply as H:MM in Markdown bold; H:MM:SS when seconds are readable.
**9:35**
